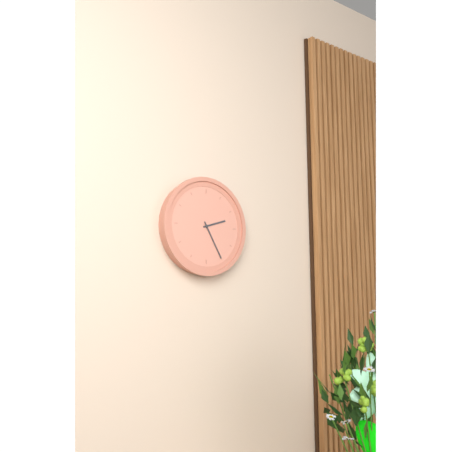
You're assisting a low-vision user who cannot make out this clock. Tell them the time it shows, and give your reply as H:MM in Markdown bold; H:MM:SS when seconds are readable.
**2:25**
